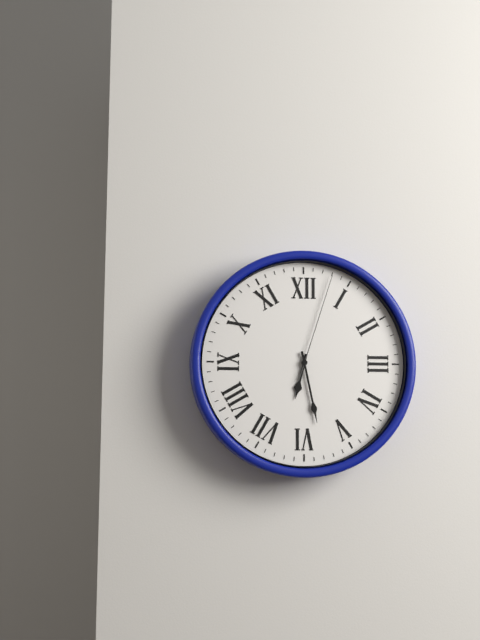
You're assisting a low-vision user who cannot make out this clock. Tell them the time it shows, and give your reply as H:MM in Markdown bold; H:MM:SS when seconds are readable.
**6:28:03**
